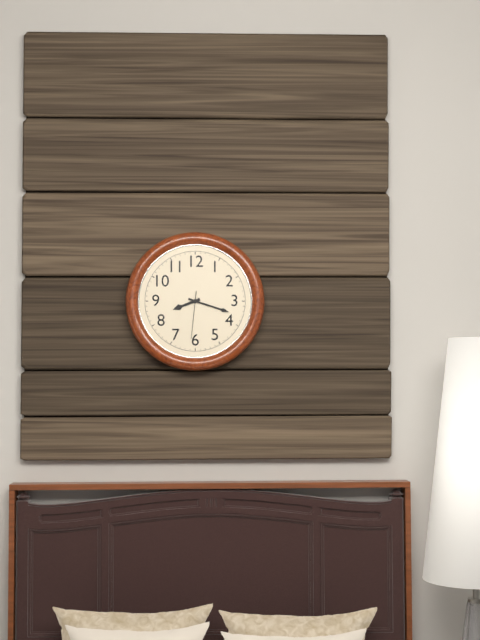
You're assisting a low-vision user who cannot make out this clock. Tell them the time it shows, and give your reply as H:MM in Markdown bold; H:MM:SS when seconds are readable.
**8:18**
